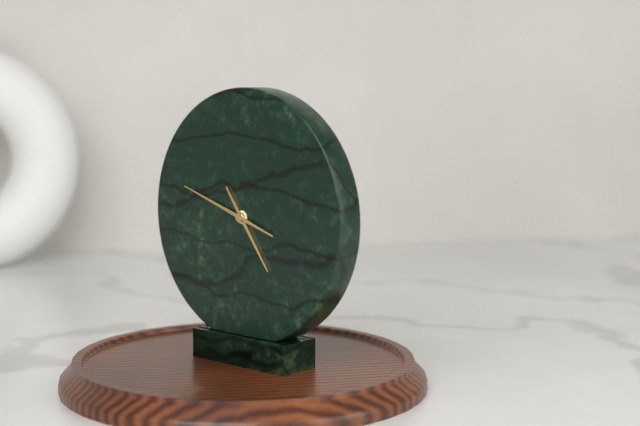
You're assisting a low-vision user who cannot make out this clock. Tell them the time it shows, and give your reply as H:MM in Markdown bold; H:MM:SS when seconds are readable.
**4:48**
